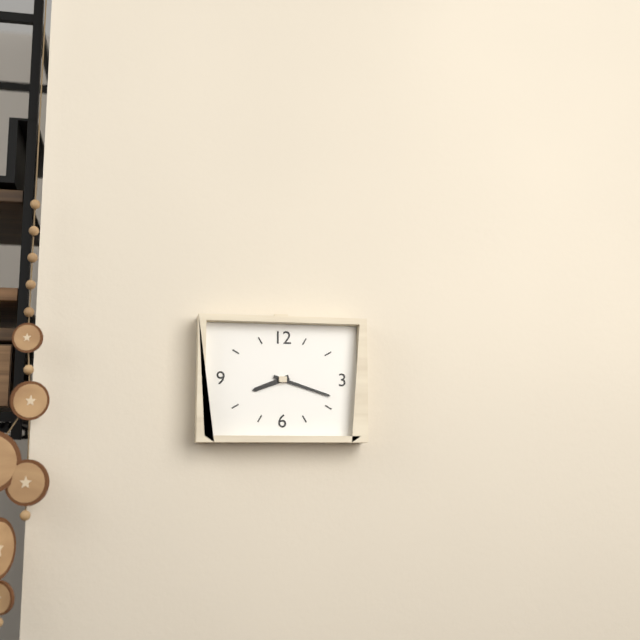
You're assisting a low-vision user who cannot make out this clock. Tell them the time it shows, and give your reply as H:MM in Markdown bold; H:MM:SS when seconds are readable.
**8:18**
